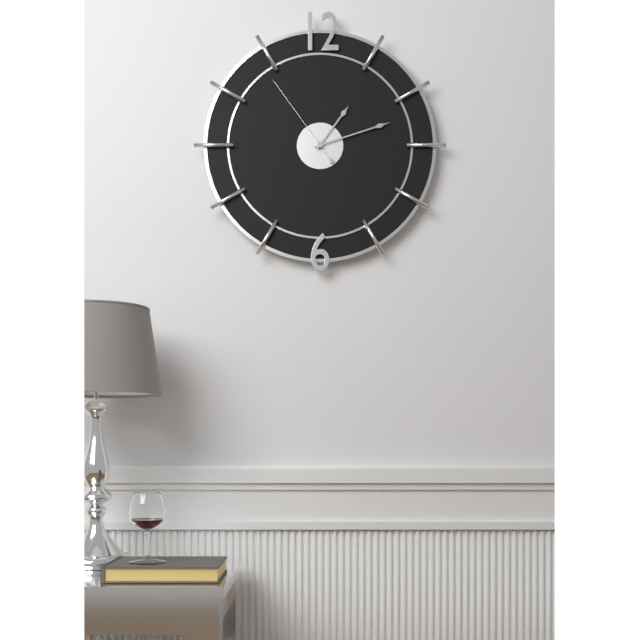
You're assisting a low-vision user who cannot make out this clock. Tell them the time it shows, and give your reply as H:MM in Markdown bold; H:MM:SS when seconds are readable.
**1:12:54**
